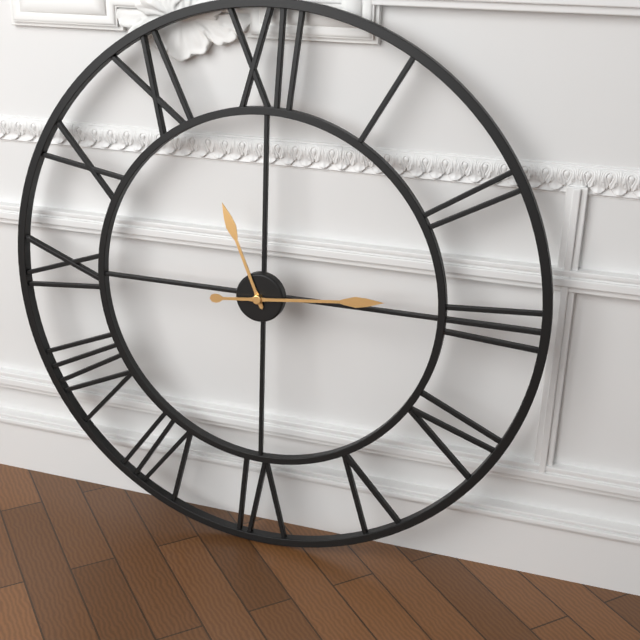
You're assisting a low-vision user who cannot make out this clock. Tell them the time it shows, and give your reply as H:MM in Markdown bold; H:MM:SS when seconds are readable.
**11:14**
